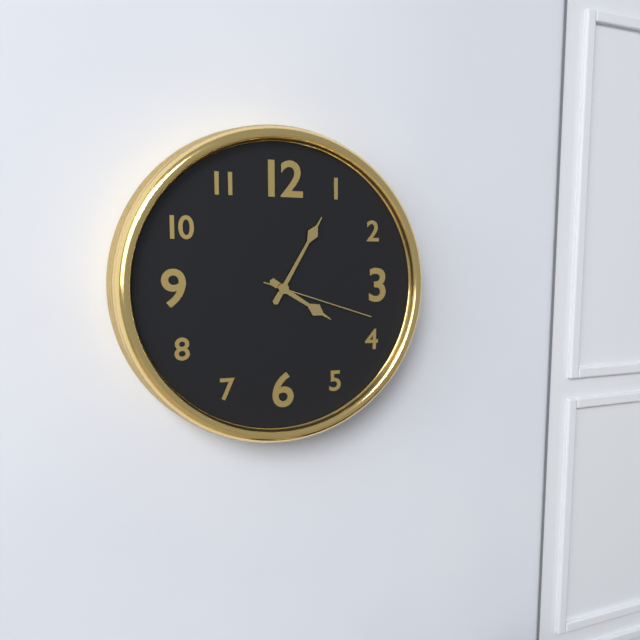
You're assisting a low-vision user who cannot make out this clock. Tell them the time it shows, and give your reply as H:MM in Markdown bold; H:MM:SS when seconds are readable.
**4:05:18**
